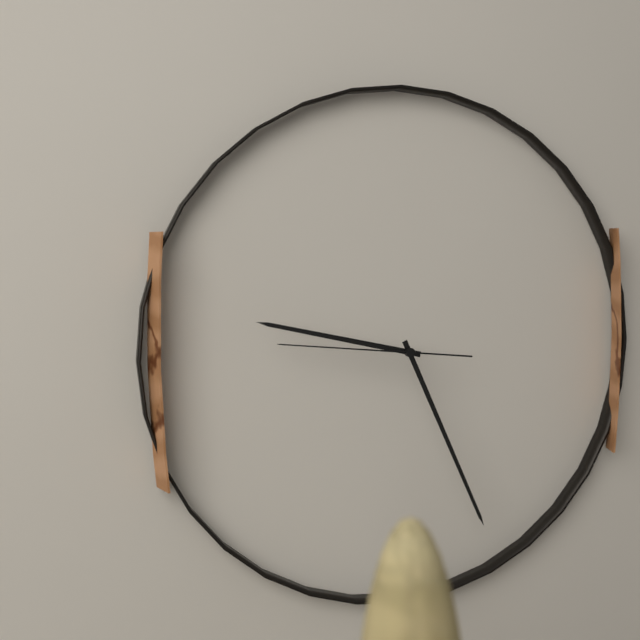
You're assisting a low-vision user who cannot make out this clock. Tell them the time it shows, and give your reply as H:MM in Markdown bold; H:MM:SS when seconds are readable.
**9:26:46**
